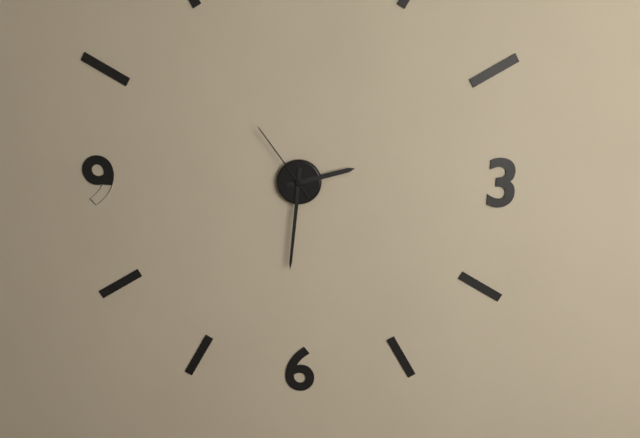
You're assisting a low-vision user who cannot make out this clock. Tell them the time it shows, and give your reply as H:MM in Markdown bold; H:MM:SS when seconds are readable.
**2:31:54**
